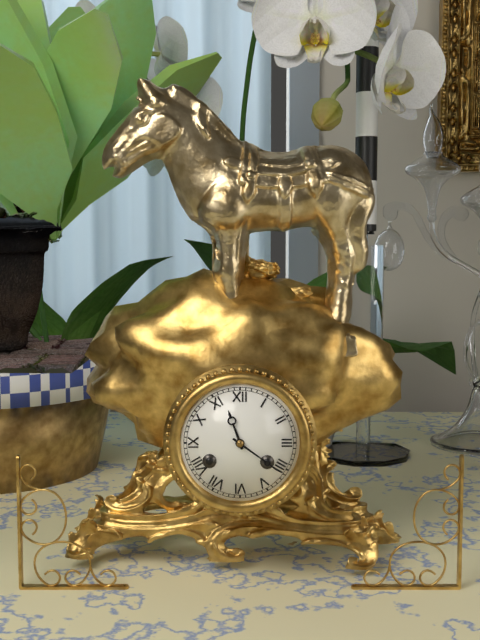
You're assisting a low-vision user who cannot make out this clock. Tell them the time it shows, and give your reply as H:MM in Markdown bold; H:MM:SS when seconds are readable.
**11:21**
